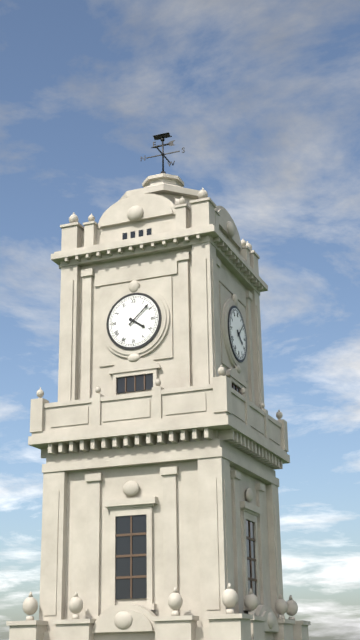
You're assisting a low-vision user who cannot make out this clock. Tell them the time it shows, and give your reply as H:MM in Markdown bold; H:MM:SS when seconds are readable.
**4:08**
